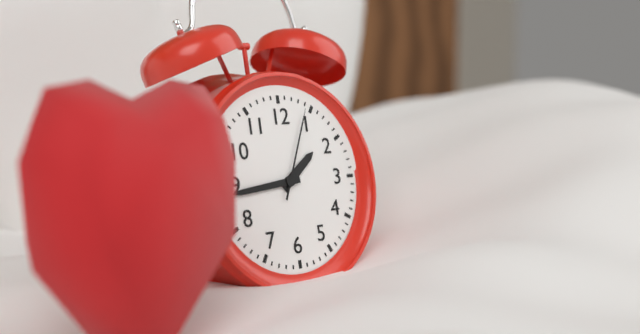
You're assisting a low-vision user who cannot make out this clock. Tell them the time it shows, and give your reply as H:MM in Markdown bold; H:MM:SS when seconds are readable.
**1:44:04**
